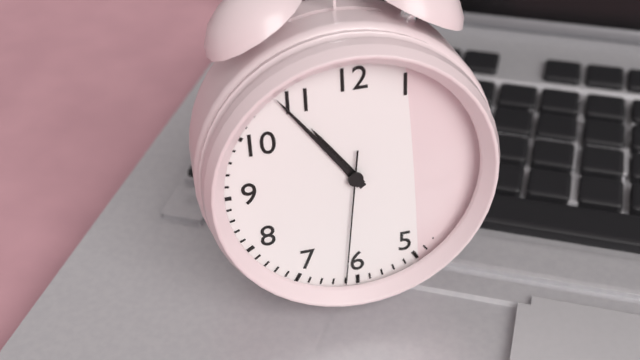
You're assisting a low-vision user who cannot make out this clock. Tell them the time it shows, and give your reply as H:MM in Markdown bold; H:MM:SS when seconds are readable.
**10:54:31**
